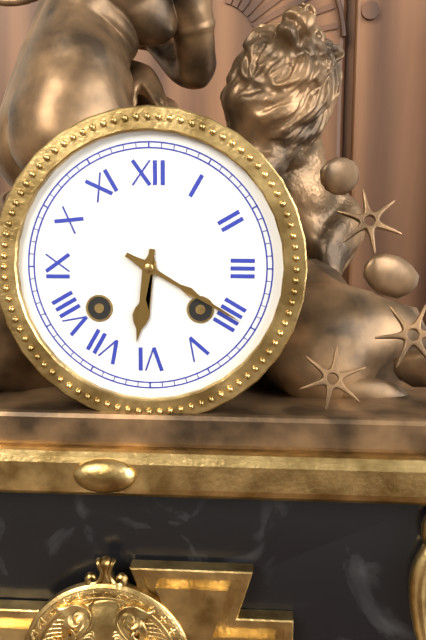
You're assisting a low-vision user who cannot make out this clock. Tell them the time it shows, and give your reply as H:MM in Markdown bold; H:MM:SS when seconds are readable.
**6:20**
